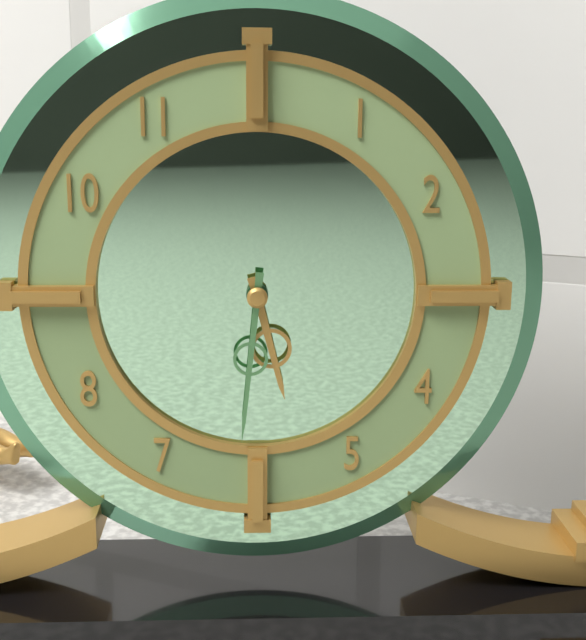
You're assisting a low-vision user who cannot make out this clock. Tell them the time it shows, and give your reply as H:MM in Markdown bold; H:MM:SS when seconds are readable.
**5:31**
